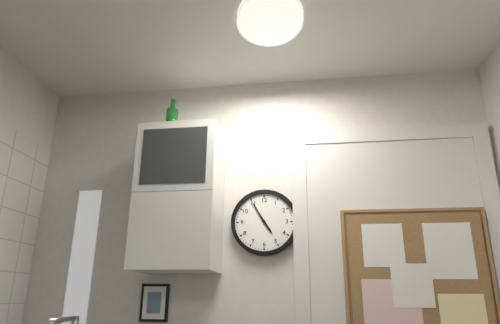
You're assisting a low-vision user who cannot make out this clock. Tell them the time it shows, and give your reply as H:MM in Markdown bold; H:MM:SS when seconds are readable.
**4:55**
